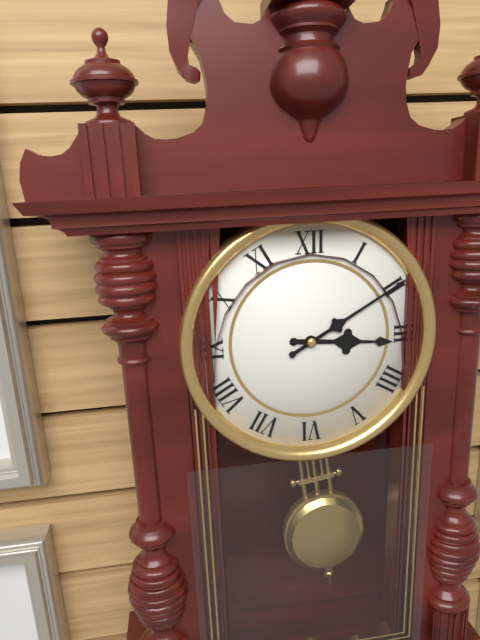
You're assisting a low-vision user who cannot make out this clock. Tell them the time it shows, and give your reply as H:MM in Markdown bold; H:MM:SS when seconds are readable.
**3:10**
